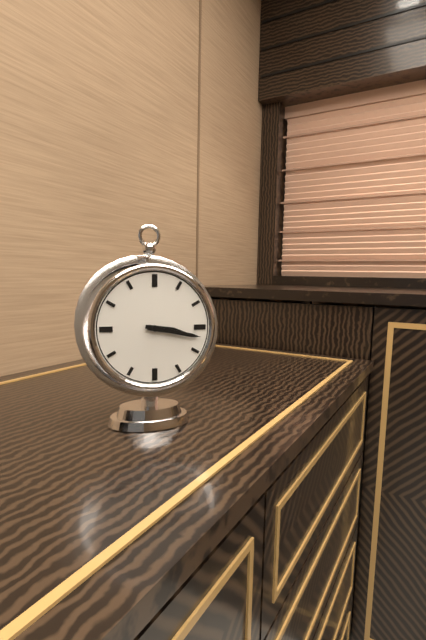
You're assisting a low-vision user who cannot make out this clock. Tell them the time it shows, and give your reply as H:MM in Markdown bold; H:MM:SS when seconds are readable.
**3:17**
